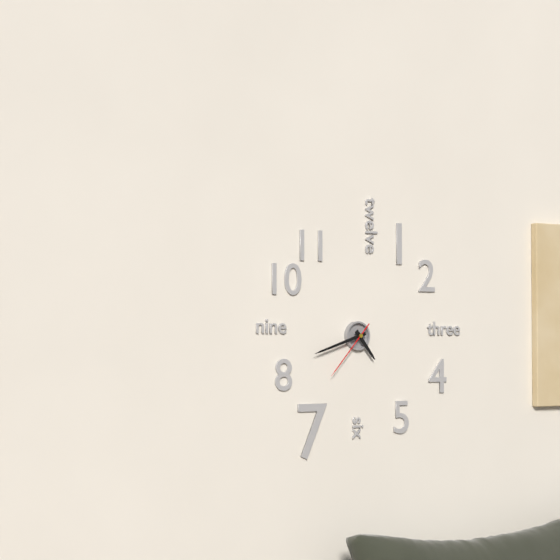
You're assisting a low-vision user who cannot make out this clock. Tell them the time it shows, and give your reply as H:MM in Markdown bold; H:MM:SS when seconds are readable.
**4:42:37**
